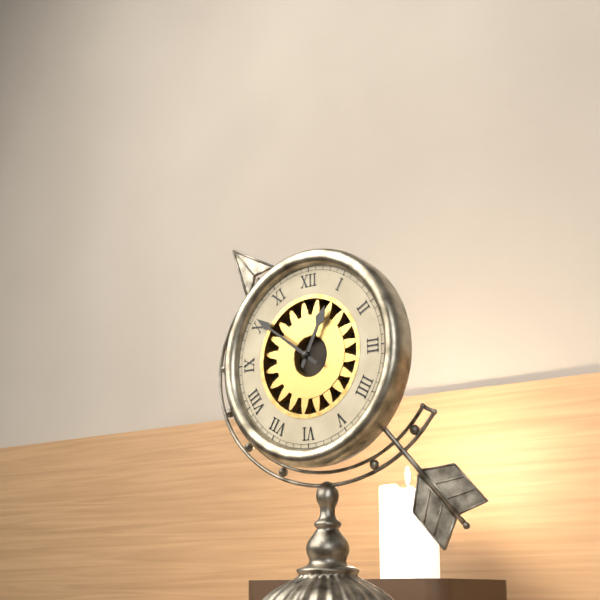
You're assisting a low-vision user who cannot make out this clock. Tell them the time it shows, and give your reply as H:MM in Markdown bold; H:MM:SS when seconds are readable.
**12:51**
